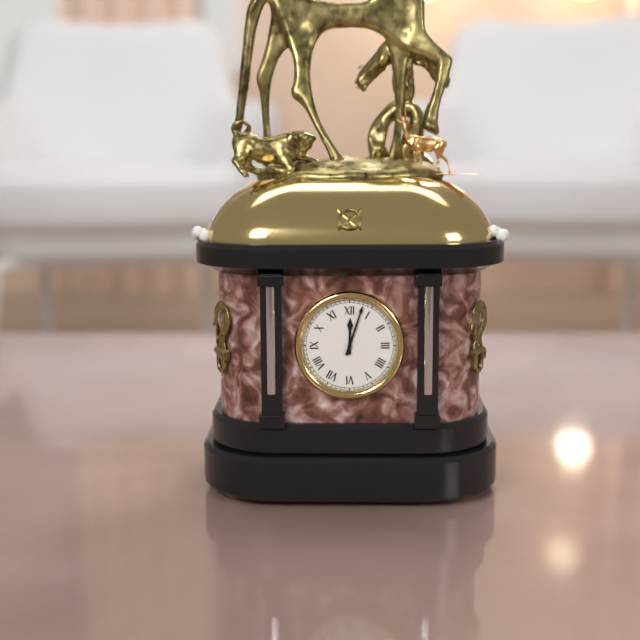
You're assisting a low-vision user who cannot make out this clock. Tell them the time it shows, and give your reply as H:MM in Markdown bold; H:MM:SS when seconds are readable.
**12:03**
